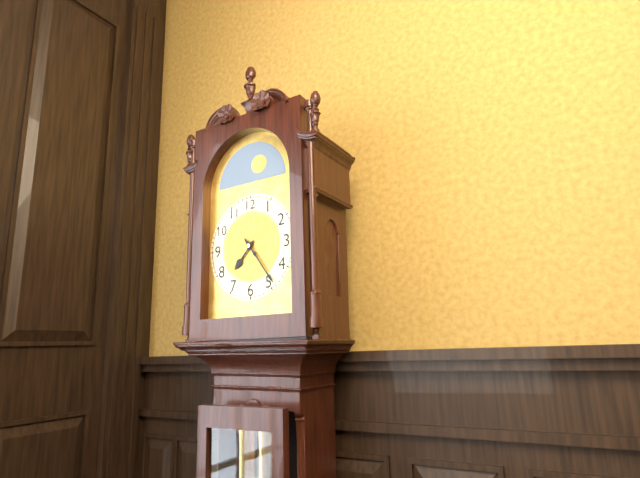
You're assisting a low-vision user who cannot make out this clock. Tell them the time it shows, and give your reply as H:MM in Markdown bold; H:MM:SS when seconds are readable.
**7:24**
